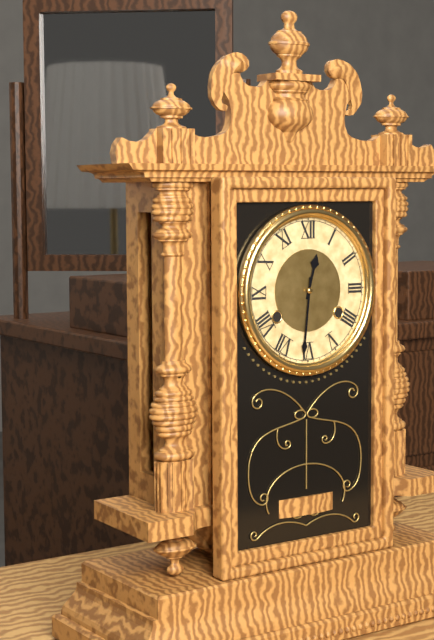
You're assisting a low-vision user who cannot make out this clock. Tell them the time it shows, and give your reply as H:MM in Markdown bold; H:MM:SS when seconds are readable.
**12:31**
